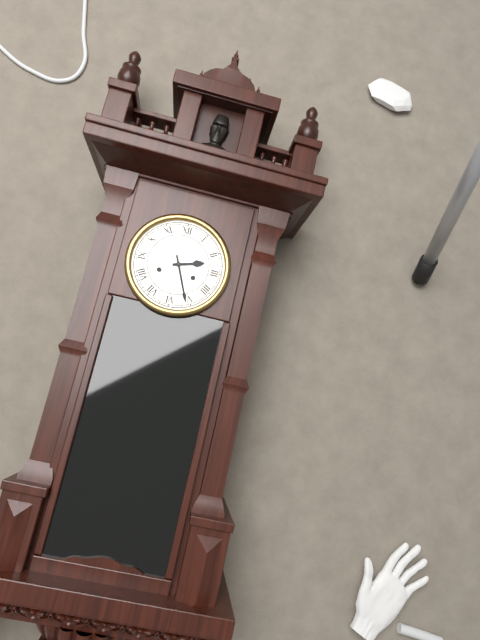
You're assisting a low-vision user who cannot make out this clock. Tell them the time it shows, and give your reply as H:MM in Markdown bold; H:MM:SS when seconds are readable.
**2:26**
